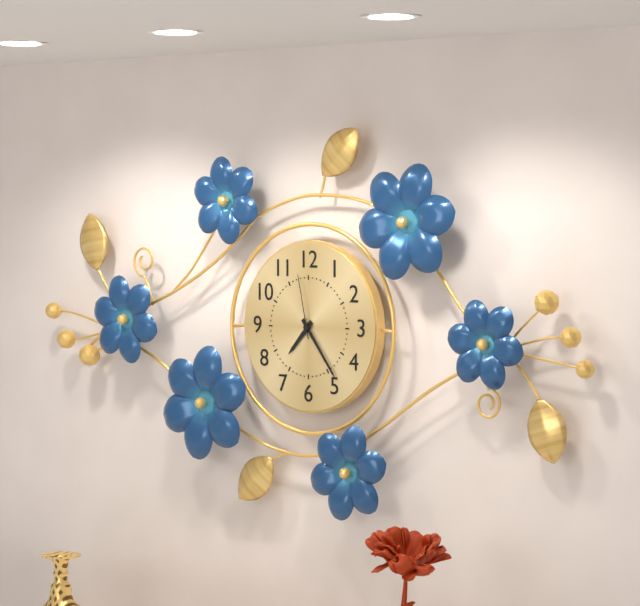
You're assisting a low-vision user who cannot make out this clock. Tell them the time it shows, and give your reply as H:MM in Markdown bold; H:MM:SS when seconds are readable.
**7:24:58**
